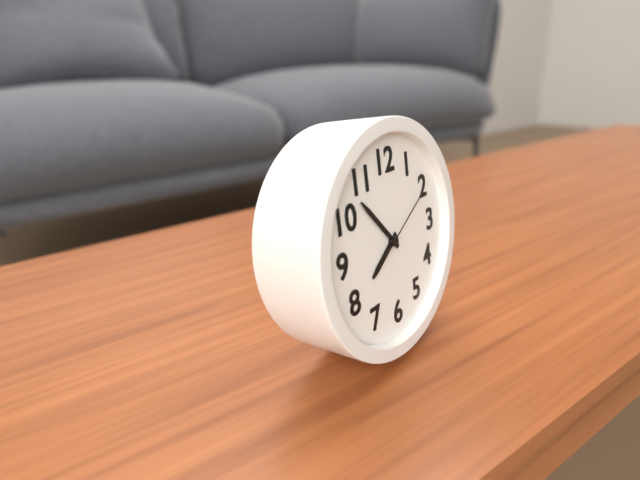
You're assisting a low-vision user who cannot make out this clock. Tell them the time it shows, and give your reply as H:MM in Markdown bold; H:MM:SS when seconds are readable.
**7:53:10**
